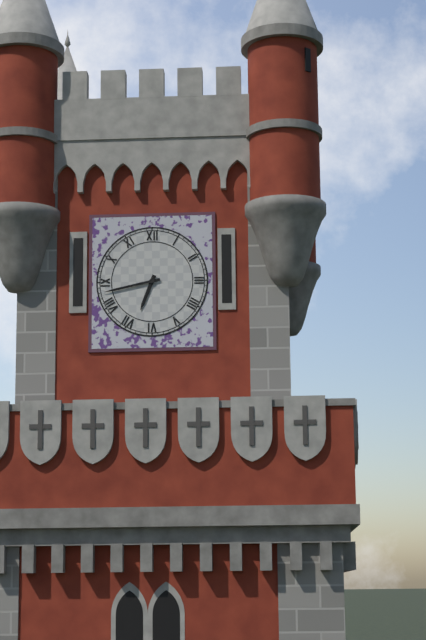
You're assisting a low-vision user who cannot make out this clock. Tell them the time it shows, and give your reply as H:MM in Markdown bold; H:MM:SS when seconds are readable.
**6:43**
